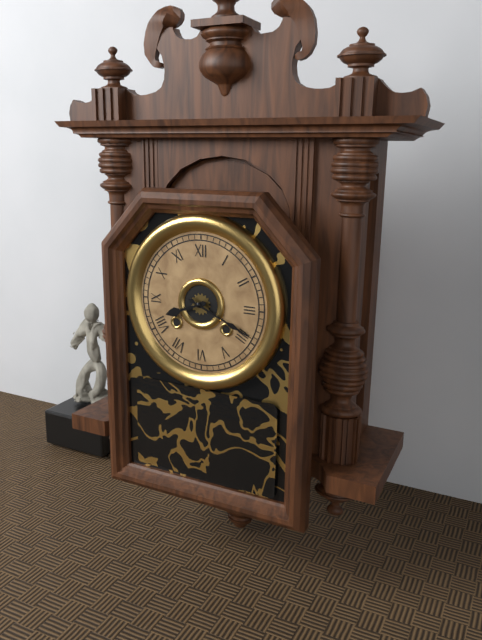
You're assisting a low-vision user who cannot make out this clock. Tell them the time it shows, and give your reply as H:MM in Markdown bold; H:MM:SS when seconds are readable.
**8:19**
